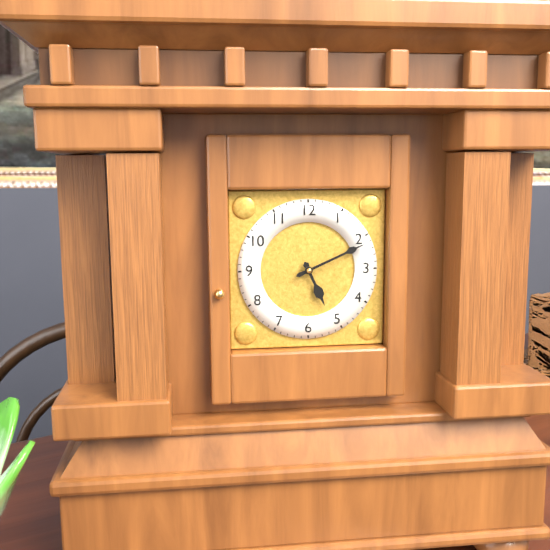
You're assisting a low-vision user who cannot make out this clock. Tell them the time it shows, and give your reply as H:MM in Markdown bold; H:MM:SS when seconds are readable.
**5:11**
